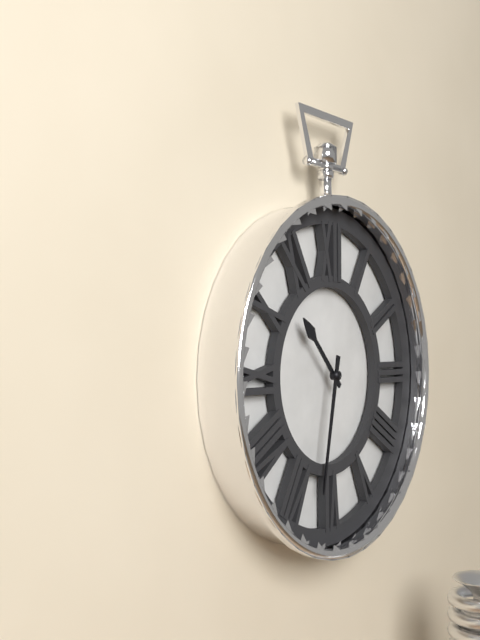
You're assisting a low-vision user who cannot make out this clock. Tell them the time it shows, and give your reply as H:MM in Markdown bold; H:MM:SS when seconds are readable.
**10:32**
